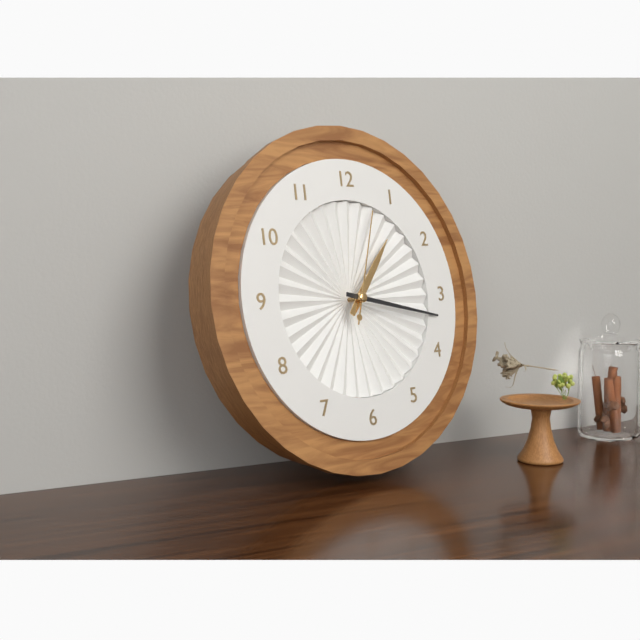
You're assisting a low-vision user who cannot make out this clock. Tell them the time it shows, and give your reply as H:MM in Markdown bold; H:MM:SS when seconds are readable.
**1:17:03**
